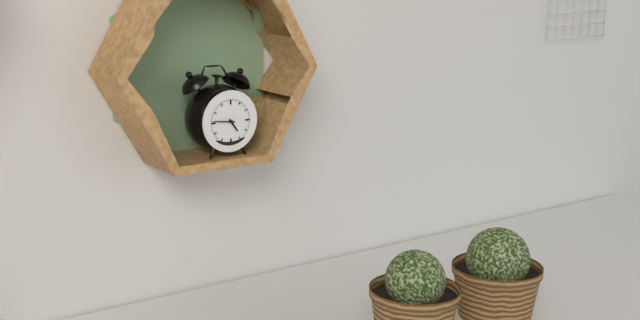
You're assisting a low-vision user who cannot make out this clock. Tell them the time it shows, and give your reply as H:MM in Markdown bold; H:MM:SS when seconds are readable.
**4:46**
